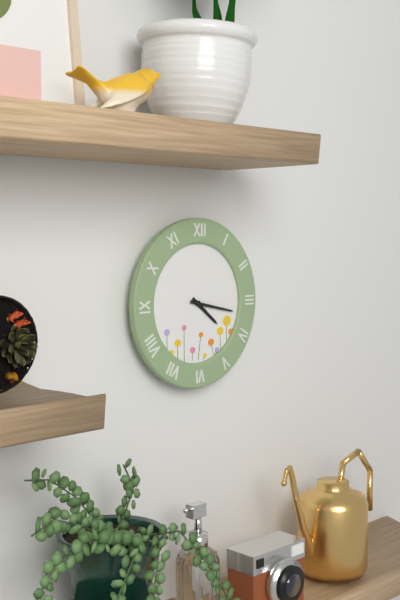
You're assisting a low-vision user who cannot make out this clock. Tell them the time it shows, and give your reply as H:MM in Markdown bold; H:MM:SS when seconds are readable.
**4:17**
